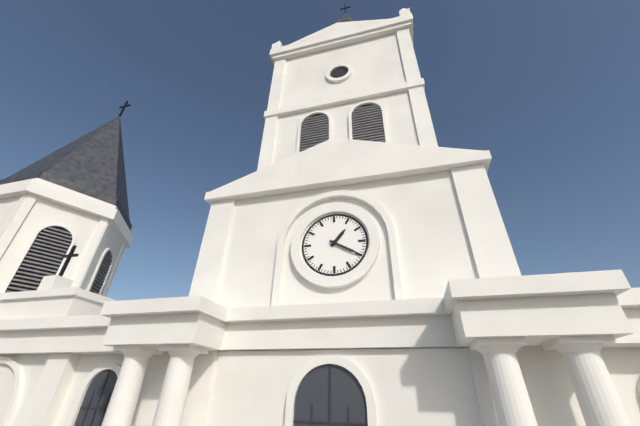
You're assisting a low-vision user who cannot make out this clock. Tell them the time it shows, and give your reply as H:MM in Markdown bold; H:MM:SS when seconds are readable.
**1:20**
